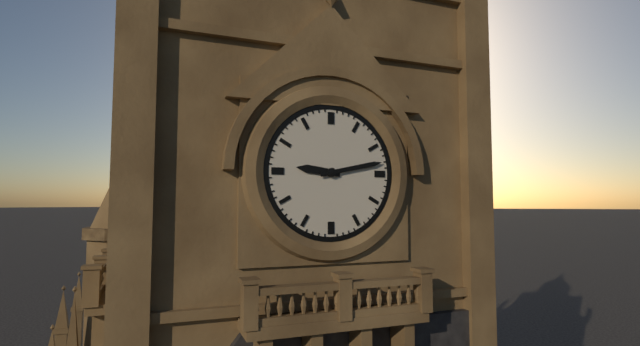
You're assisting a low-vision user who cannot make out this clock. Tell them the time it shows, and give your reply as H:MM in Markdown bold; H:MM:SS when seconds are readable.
**9:13**
